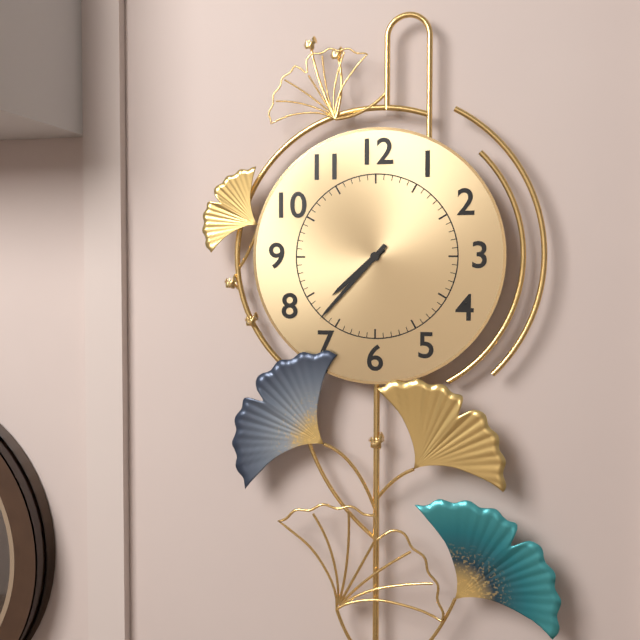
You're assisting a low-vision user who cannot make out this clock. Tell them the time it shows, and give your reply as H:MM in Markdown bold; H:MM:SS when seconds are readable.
**7:37**
